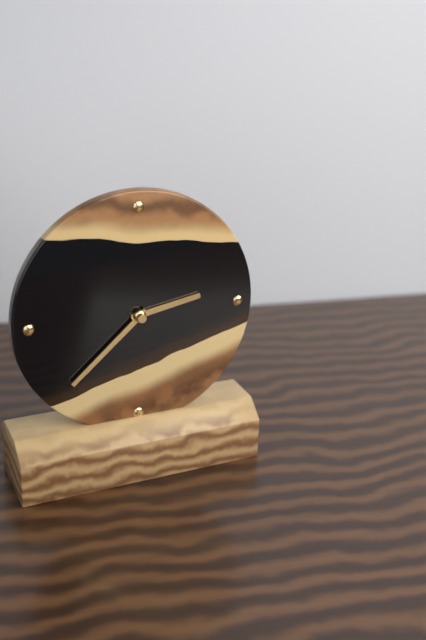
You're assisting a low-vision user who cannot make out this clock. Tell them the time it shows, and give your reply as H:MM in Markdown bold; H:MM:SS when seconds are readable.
**2:38**
